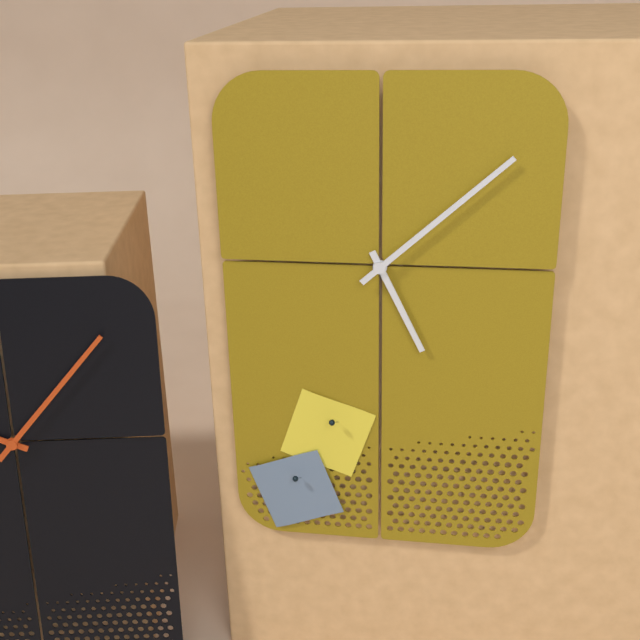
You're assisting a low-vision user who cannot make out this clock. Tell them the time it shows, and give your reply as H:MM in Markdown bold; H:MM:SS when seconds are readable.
**5:08**
